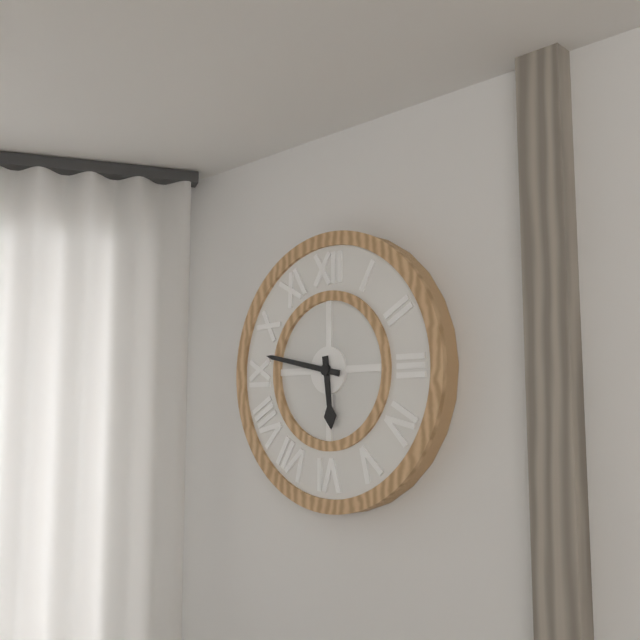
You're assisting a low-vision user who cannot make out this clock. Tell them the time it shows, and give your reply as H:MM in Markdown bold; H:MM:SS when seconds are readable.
**5:47**
